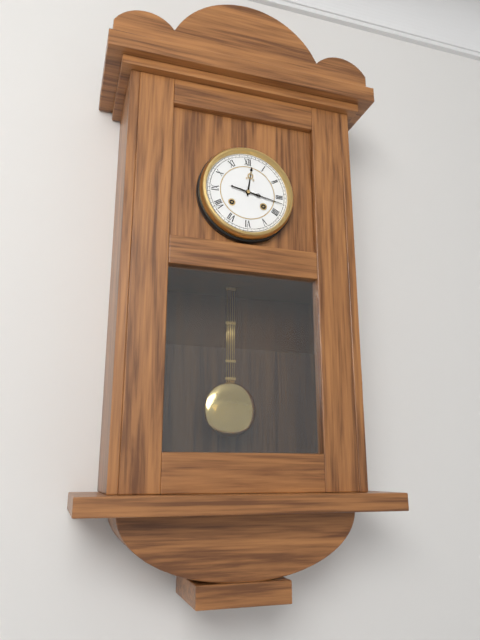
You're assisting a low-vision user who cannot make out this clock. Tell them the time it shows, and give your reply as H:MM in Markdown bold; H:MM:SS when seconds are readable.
**12:17**
